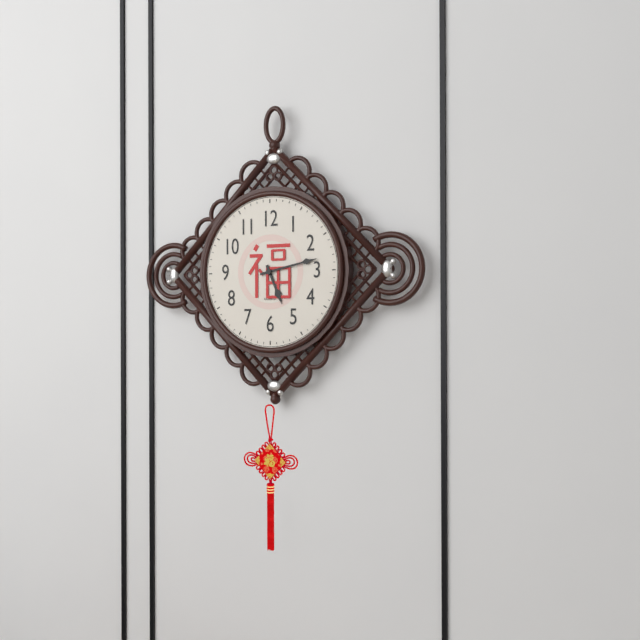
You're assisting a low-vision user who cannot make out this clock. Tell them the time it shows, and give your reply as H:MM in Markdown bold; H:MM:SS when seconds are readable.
**5:13**
